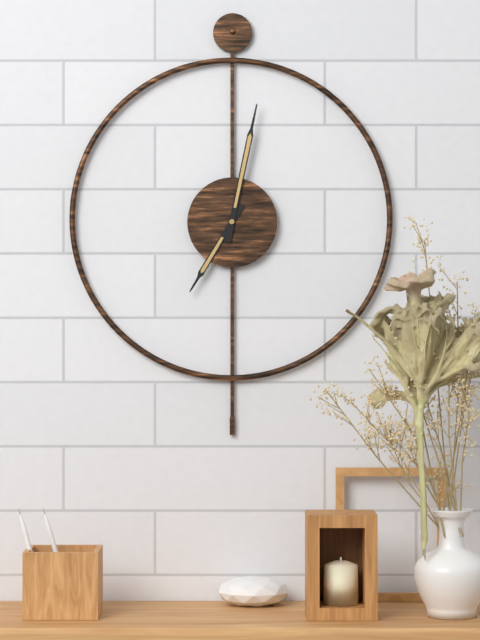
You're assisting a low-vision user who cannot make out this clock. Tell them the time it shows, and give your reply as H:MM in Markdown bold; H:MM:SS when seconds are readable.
**7:02**
